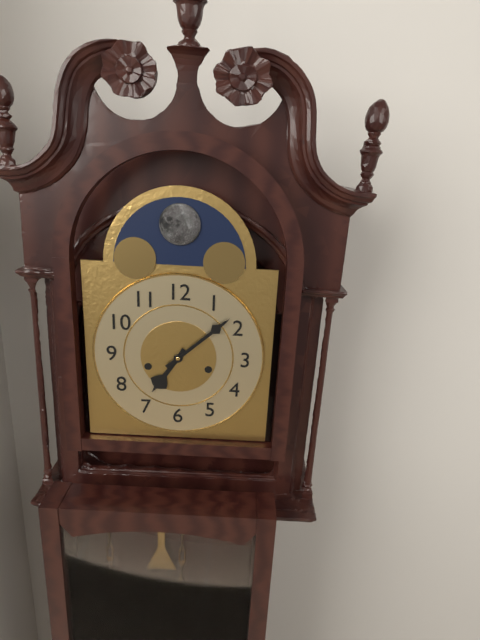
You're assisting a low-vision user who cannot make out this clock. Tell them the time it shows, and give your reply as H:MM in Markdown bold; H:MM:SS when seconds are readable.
**7:08**
